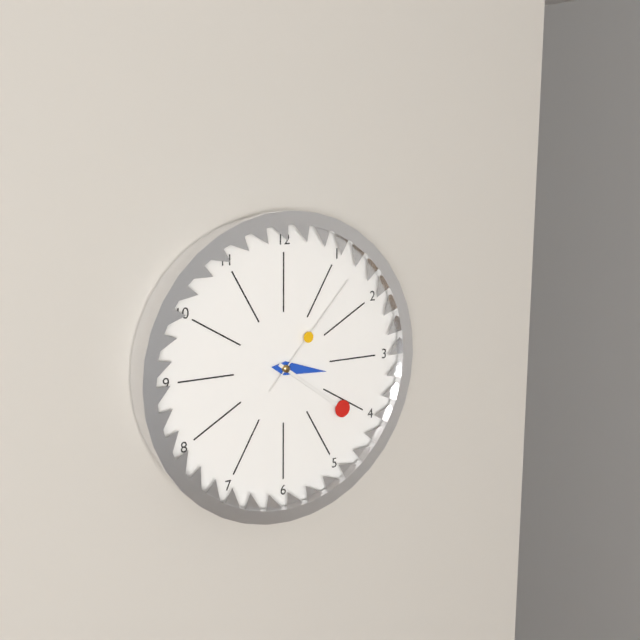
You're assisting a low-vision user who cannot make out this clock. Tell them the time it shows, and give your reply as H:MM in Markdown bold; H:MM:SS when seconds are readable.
**3:21:07**
